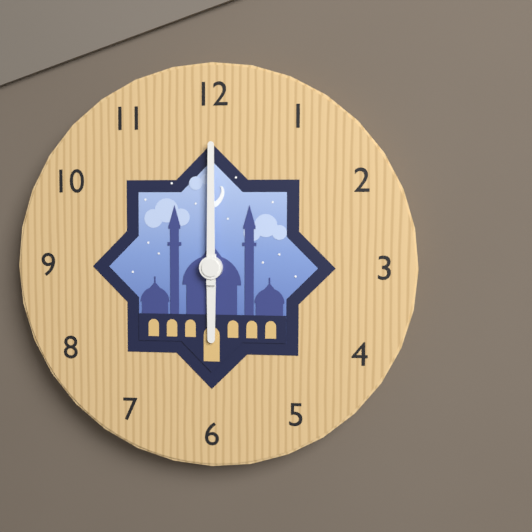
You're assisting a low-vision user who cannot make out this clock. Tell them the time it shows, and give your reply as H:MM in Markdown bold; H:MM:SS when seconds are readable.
**6:00**
